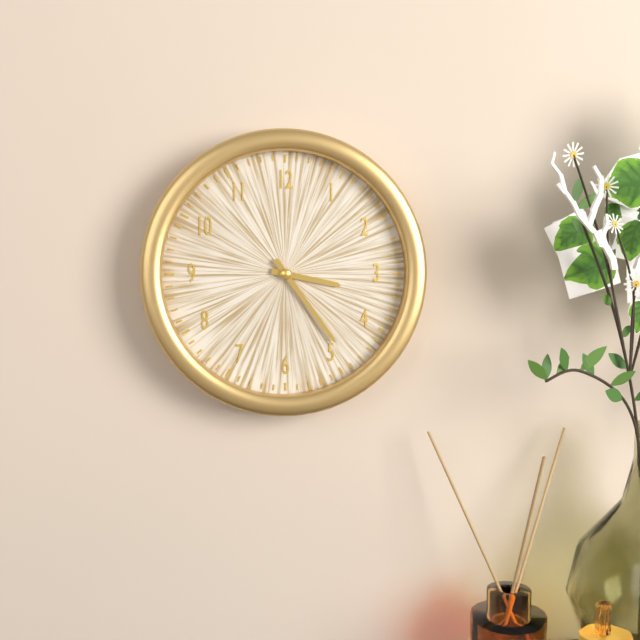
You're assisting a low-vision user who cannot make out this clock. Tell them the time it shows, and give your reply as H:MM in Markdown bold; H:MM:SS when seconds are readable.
**3:24**
